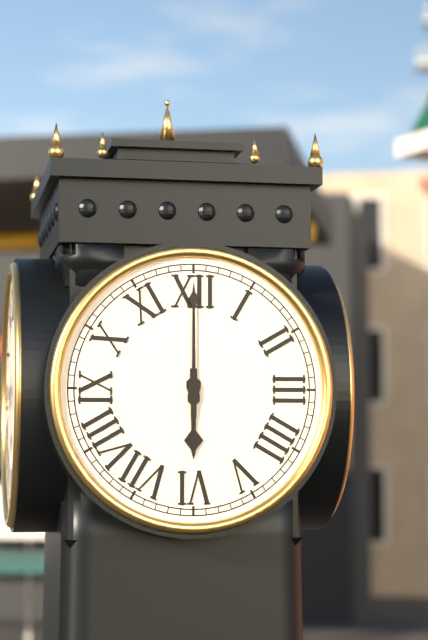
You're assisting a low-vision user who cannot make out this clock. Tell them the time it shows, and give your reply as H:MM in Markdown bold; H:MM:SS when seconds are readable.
**6:00**
